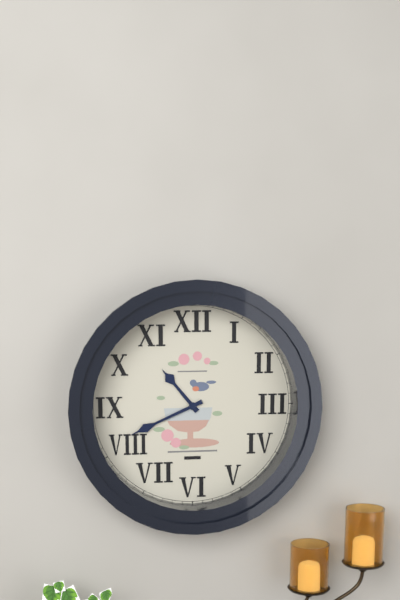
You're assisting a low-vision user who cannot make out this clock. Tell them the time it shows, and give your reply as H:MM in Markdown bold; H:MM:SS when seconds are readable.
**10:41**
